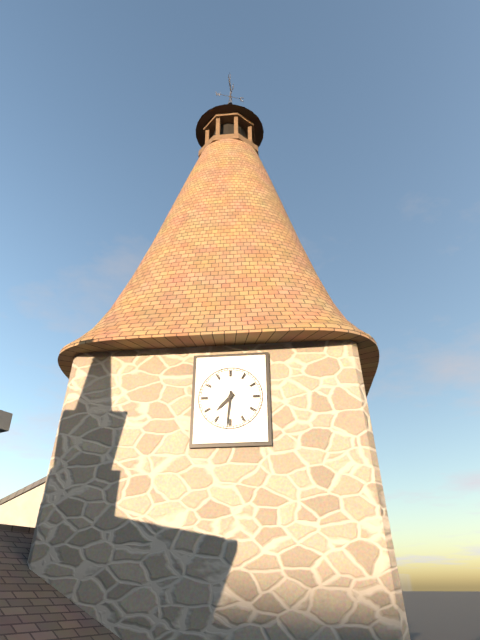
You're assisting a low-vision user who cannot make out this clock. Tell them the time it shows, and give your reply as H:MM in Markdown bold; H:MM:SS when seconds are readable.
**7:31**
